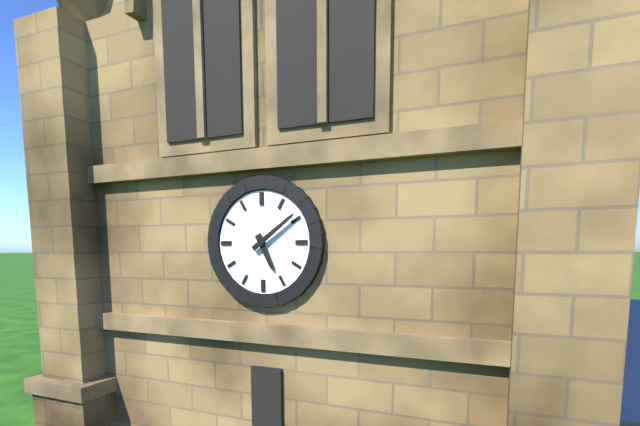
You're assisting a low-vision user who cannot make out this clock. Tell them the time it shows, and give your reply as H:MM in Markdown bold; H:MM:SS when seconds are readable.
**5:09**
